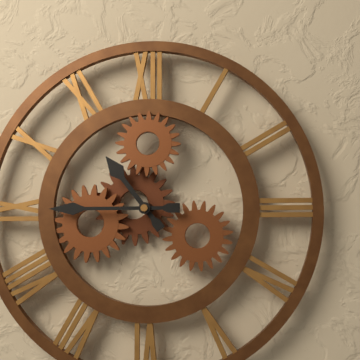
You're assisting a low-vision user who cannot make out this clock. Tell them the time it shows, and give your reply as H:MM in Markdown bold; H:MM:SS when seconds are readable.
**10:45**
